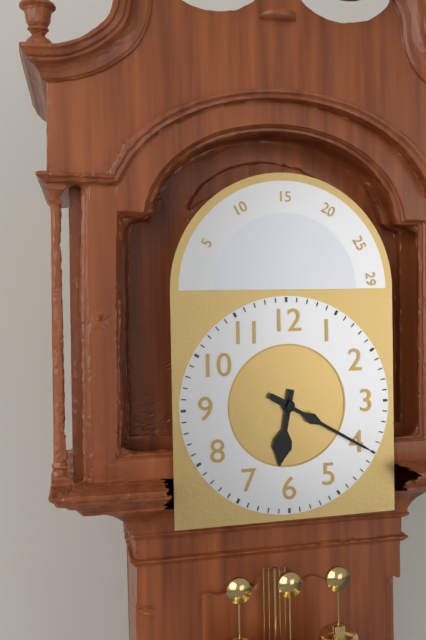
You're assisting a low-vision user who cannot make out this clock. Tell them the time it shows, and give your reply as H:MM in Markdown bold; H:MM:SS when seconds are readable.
**6:20**
